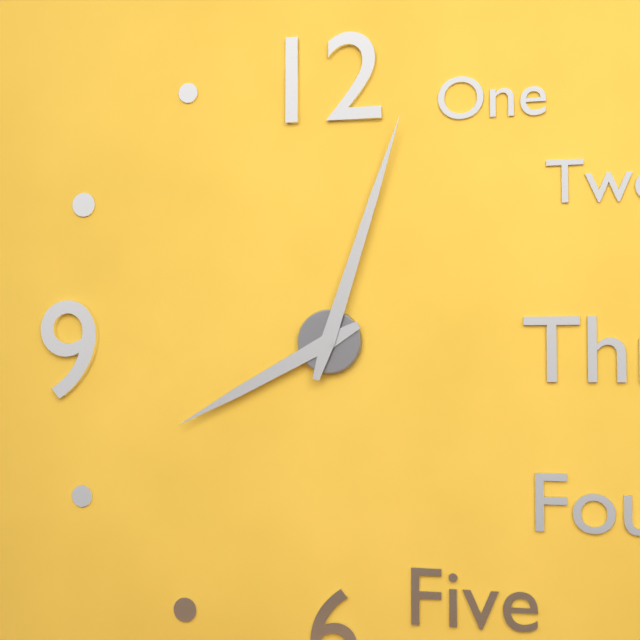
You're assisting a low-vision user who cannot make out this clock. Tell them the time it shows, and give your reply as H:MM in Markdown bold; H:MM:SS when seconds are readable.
**8:03**
